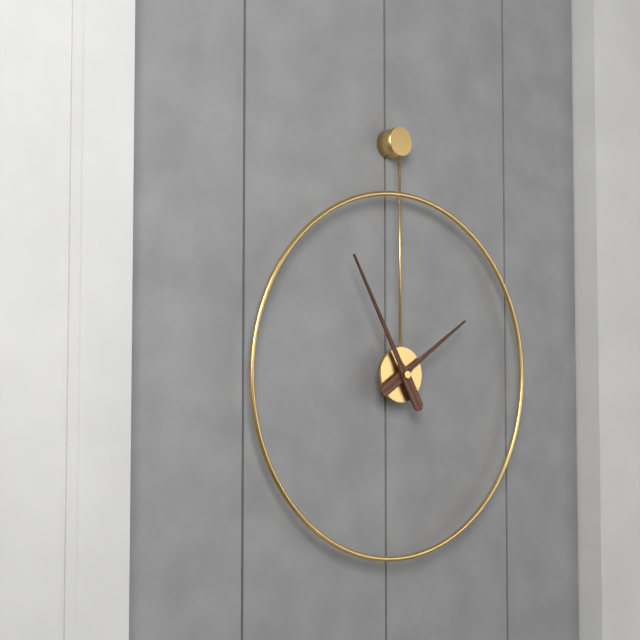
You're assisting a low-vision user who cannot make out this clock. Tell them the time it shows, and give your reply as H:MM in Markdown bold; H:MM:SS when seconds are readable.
**1:55**
